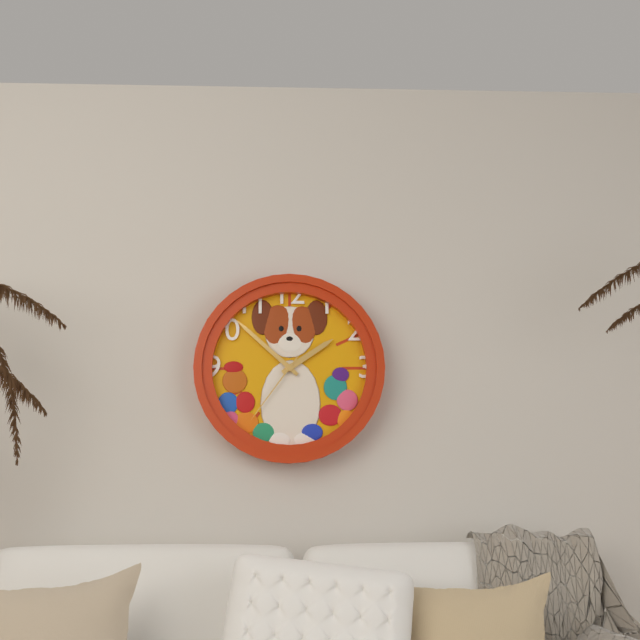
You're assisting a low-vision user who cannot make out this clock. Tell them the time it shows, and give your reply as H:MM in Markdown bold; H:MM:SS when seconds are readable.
**1:52:36**
